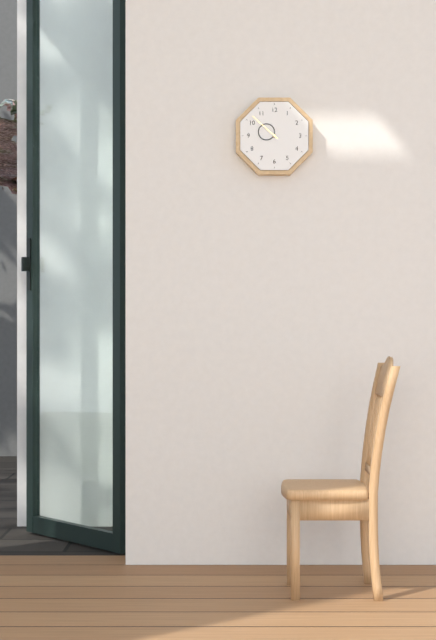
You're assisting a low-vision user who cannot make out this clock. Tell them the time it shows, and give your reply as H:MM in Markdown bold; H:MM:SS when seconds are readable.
**9:52**
